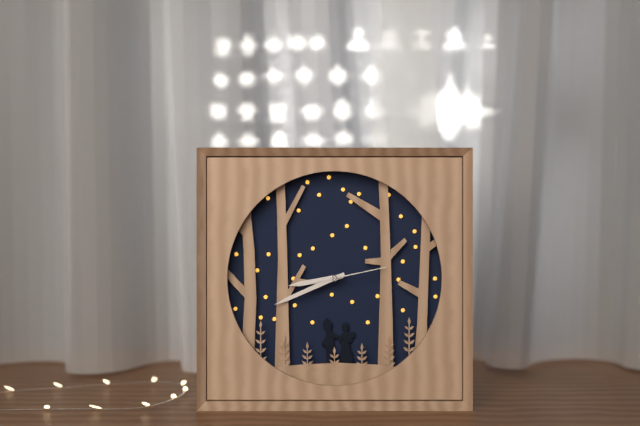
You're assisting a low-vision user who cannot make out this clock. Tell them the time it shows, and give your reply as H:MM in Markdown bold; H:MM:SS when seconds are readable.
**8:41:13**
